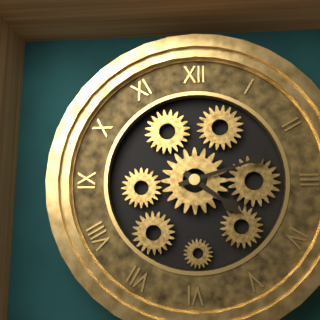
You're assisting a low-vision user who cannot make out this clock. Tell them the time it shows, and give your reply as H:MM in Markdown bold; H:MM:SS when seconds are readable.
**4:12**
